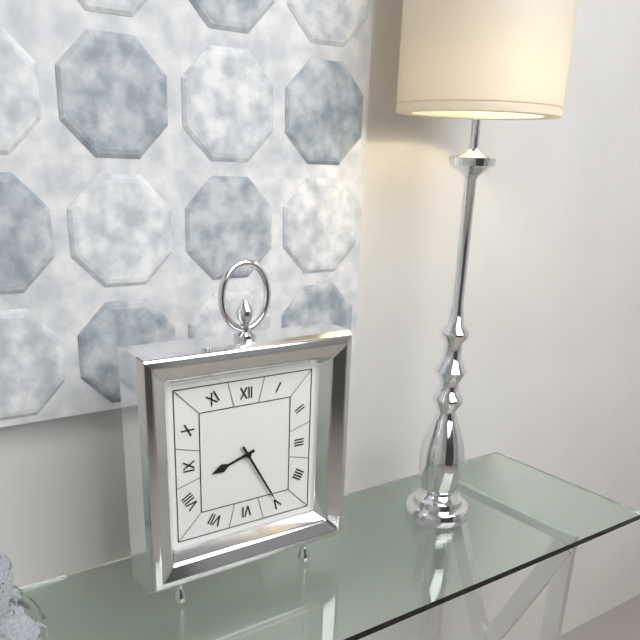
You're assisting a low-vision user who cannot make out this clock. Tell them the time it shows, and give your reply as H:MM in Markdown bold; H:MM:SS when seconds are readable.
**8:25**
